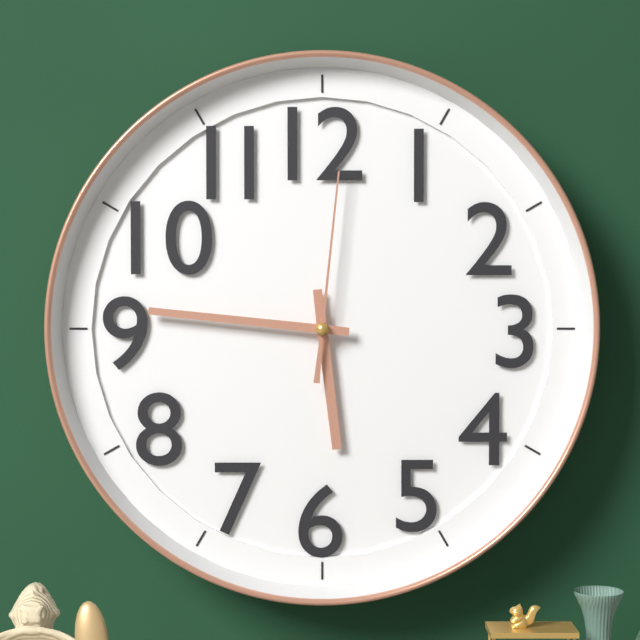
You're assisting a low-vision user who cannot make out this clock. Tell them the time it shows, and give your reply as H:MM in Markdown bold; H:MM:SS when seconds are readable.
**5:46:01**
